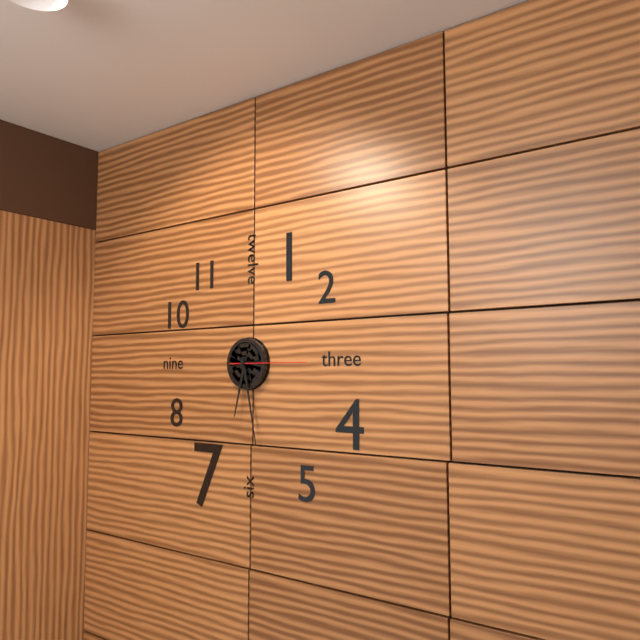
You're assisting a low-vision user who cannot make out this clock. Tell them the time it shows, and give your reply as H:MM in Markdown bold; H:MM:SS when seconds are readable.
**6:28:15**
